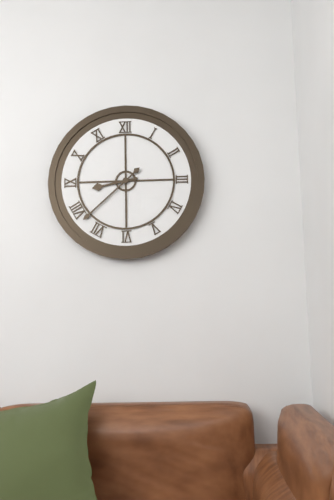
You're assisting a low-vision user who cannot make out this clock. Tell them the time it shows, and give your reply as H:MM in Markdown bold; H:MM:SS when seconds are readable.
**8:38**
